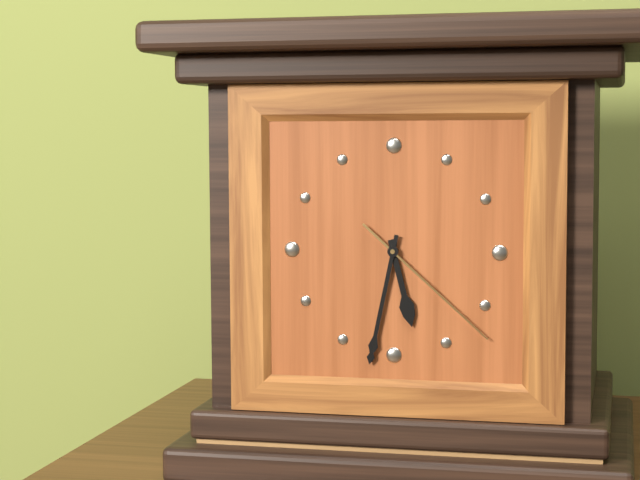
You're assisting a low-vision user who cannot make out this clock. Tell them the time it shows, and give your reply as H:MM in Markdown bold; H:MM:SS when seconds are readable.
**5:32:22**
